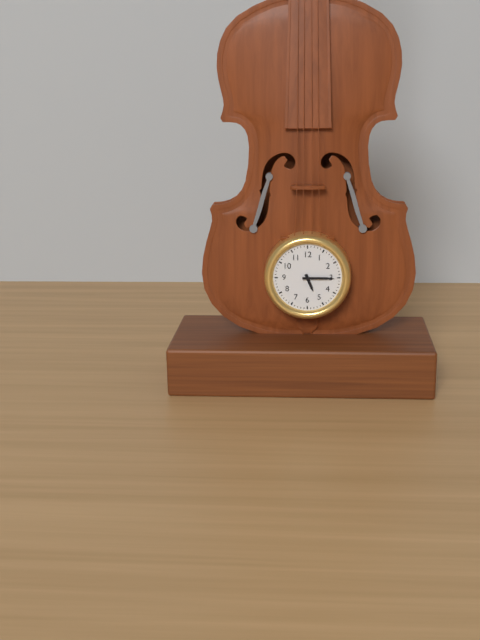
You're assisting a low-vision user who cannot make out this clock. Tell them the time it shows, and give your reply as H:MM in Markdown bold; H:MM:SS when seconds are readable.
**5:15**
